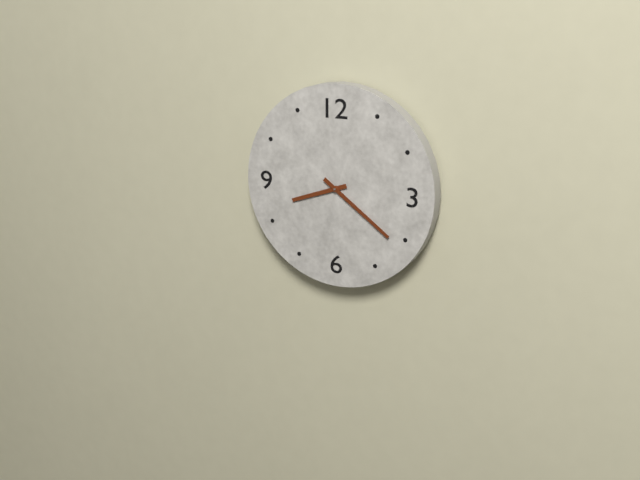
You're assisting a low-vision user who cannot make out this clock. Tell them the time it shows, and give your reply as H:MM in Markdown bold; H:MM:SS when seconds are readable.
**8:21**
